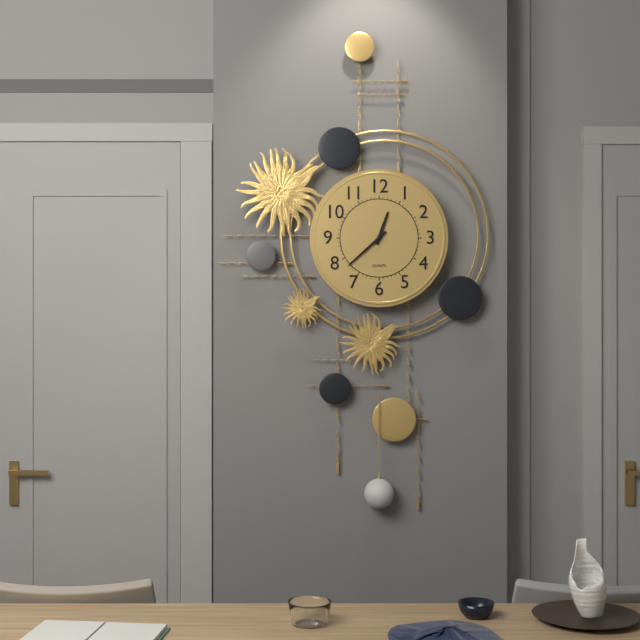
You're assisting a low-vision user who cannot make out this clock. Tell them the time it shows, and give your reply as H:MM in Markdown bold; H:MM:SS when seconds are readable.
**12:38**
